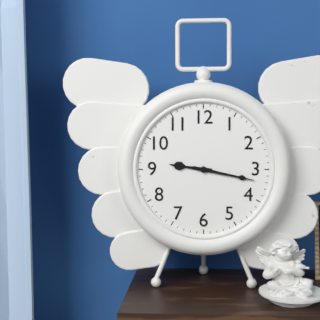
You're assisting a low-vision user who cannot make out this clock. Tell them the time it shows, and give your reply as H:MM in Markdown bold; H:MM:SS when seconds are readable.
**9:17**
